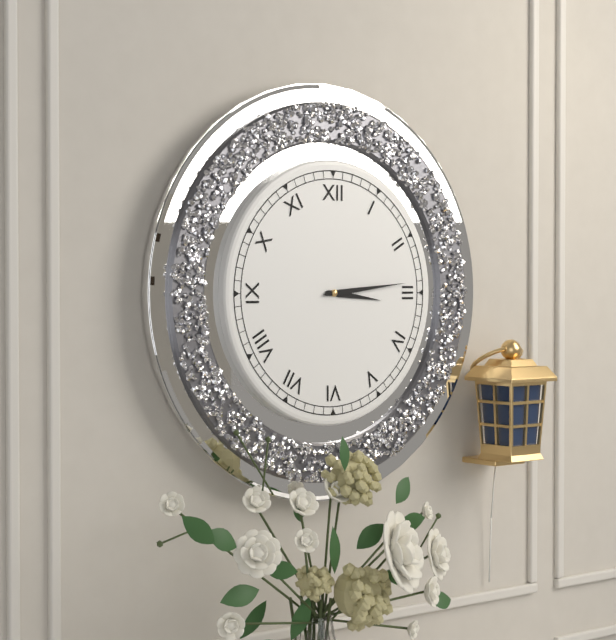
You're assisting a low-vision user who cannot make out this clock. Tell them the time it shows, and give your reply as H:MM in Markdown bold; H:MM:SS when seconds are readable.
**3:14**
